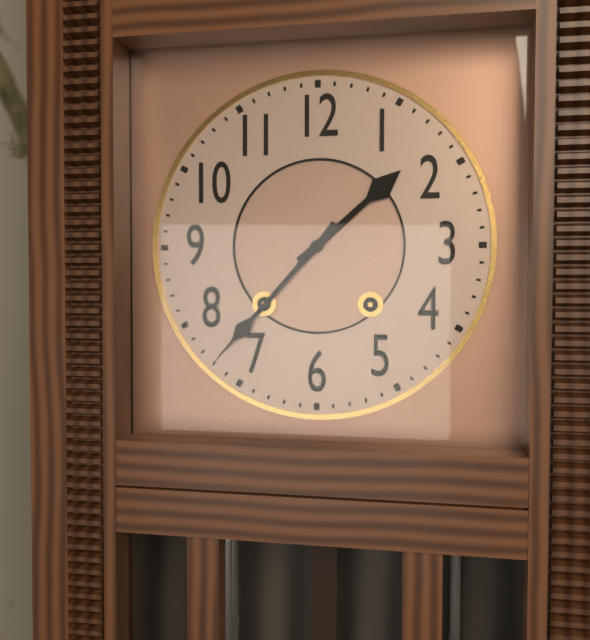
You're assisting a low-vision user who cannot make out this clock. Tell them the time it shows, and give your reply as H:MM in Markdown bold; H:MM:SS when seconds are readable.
**1:37**
